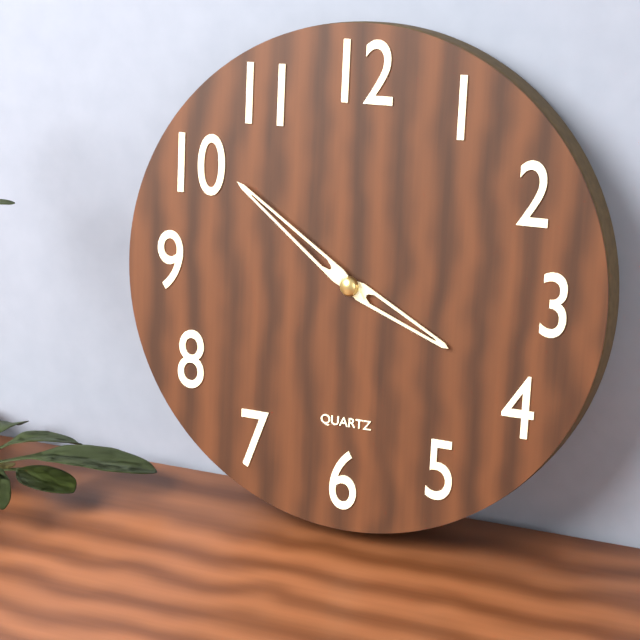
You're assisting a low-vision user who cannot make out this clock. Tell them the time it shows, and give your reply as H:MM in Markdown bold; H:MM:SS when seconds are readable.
**3:51**
